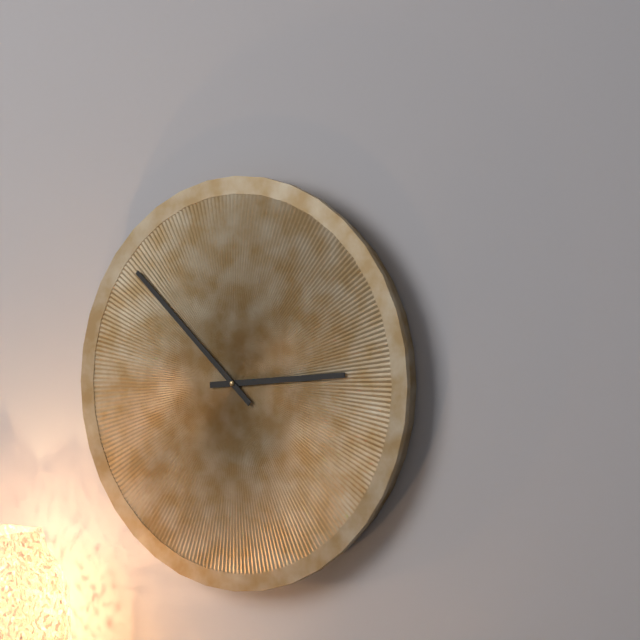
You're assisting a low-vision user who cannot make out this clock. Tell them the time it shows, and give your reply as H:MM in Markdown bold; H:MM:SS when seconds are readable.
**2:52**
